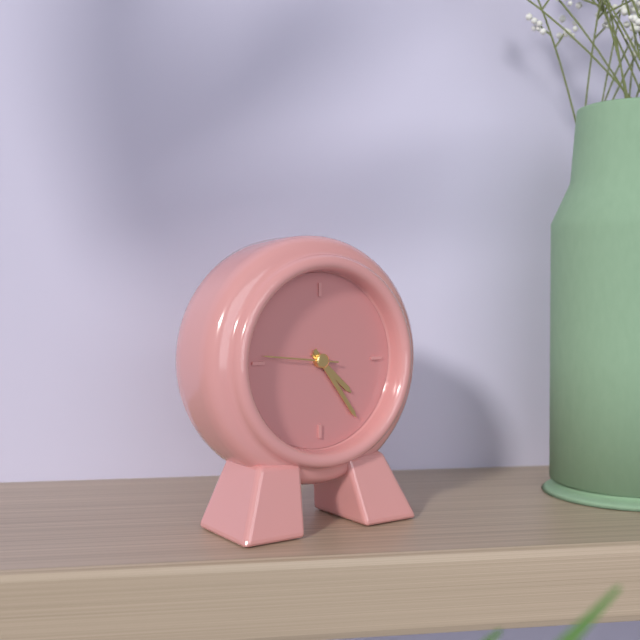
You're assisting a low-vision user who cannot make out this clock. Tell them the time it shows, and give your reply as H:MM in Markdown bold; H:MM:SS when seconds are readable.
**4:24:46**
